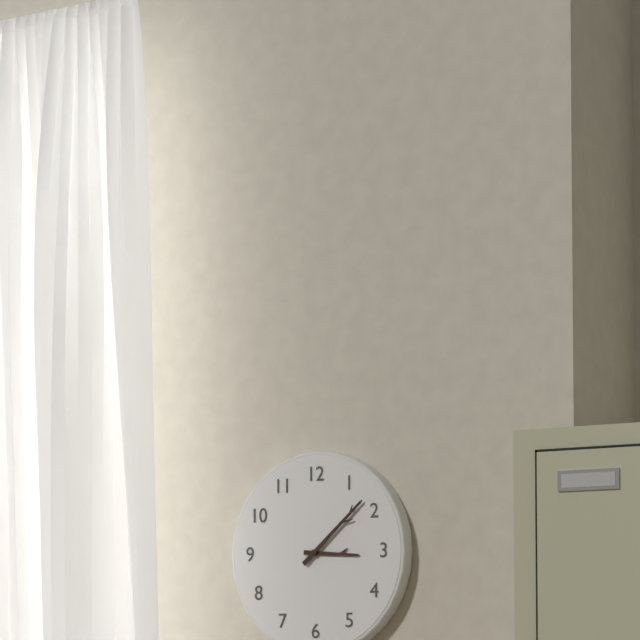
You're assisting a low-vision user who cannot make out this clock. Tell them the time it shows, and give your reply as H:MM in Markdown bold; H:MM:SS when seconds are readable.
**3:08**
